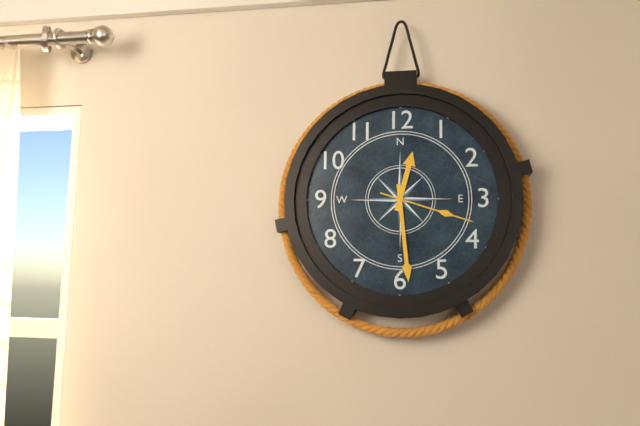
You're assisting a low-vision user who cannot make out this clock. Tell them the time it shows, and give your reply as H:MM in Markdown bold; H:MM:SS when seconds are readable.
**12:29:18**
